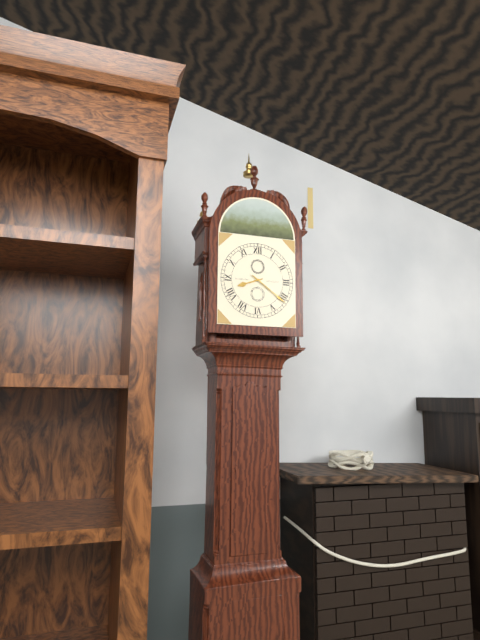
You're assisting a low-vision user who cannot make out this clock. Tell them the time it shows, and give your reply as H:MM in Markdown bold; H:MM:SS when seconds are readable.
**8:21**
